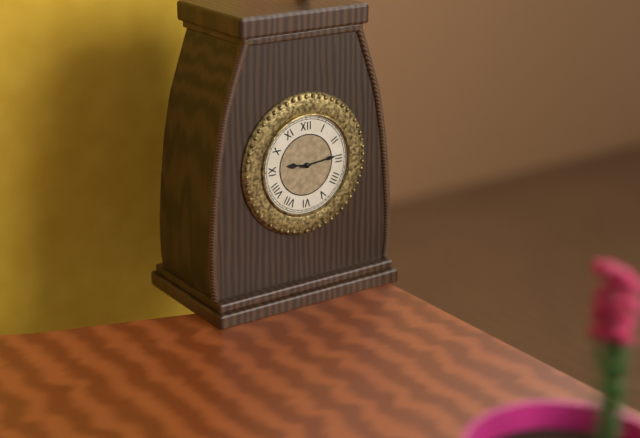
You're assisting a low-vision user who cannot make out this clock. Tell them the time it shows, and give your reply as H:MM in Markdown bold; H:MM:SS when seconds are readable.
**9:14**
